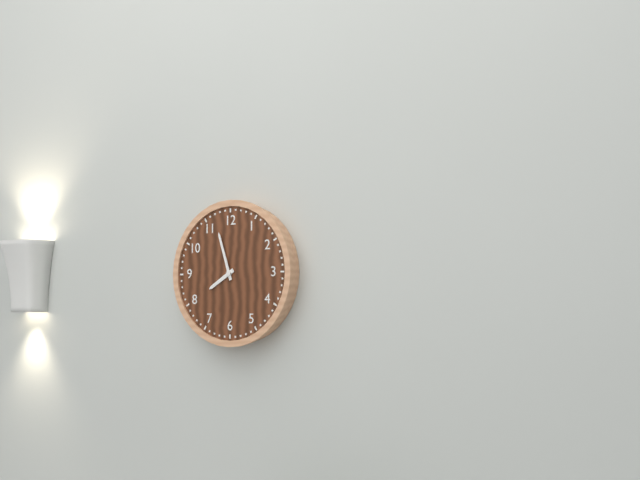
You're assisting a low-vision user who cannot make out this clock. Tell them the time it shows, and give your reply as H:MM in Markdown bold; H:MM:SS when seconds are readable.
**7:57**
